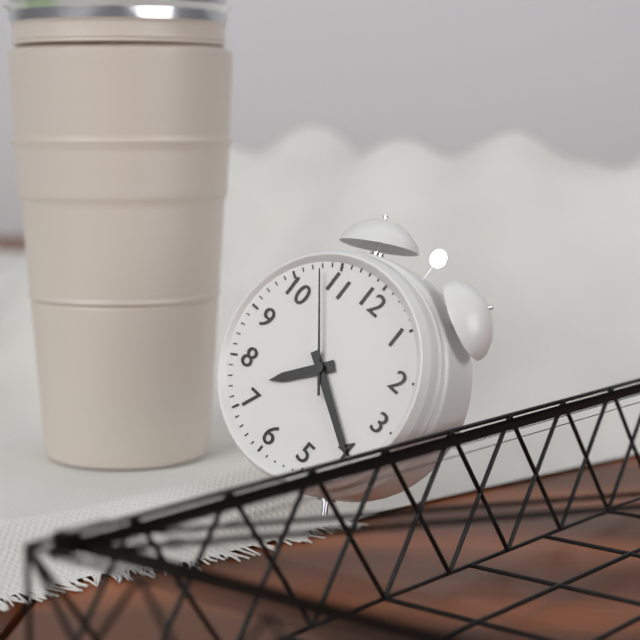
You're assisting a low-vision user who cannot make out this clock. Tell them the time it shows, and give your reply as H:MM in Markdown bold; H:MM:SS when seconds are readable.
**7:20:53**
